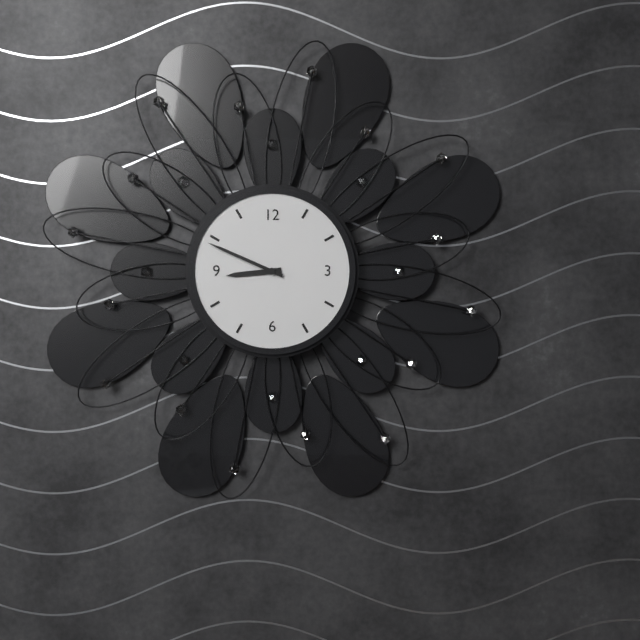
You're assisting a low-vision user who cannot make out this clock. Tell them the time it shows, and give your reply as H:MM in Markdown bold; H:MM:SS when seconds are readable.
**8:49**
